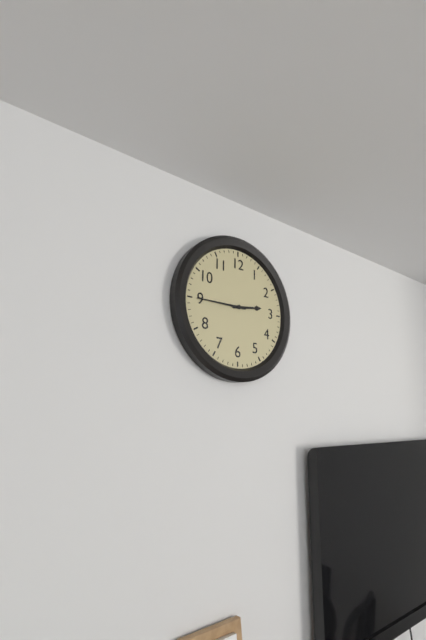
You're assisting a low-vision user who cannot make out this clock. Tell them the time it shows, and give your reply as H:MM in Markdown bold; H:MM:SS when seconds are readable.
**2:45**
